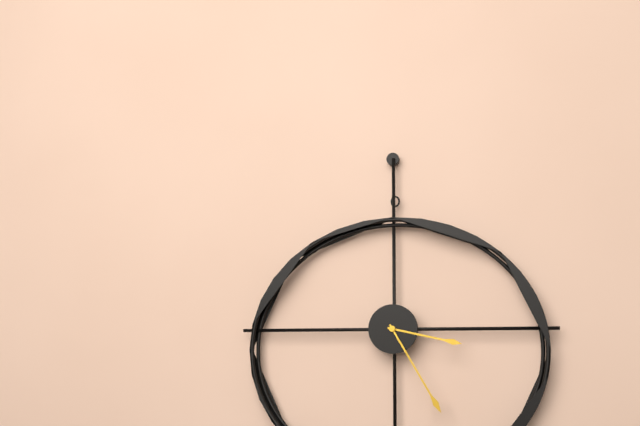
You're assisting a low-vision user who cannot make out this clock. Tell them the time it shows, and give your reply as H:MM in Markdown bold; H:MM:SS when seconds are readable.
**3:25**
